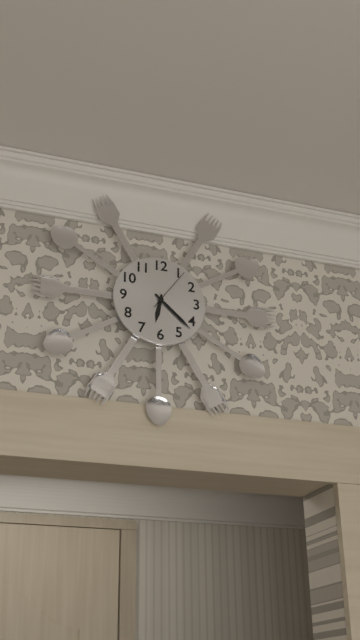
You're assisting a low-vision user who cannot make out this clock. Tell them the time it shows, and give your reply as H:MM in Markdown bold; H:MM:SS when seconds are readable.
**6:22**
